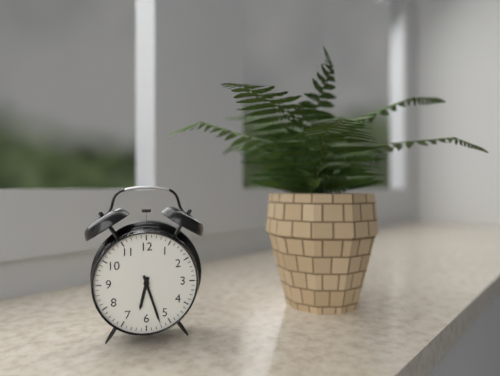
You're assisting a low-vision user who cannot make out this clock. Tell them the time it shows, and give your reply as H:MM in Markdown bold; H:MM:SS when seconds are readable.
**6:27**
